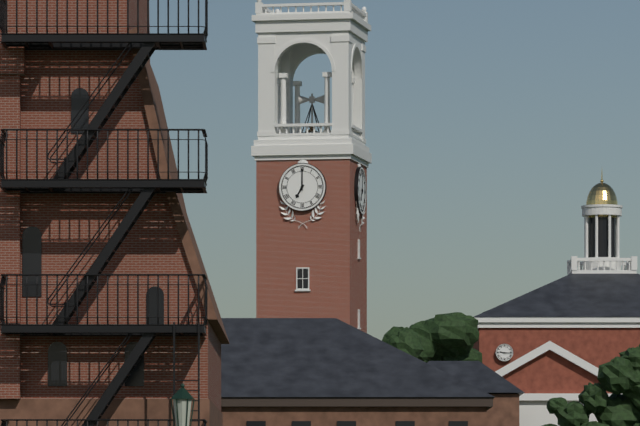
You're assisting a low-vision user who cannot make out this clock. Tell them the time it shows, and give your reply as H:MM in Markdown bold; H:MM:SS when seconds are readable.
**7:00**
